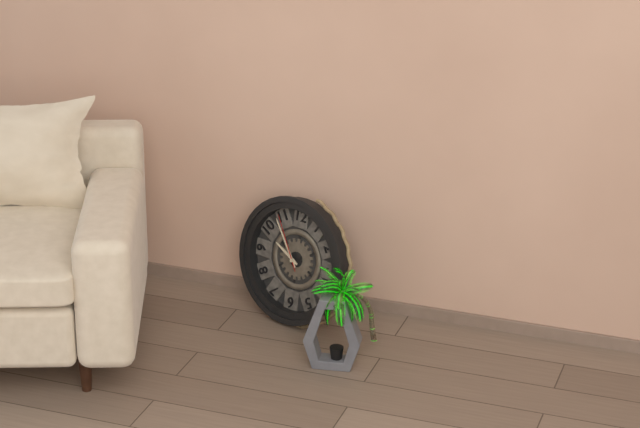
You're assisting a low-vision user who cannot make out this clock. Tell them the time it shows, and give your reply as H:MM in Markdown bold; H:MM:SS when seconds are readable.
**9:54:55**
